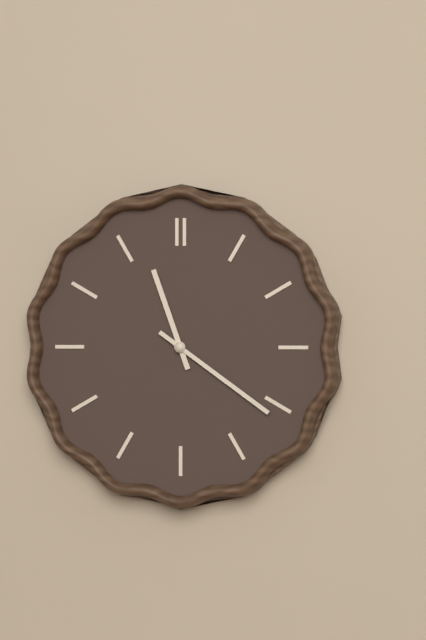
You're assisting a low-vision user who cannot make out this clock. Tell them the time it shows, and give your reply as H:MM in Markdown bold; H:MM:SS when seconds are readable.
**11:21**
